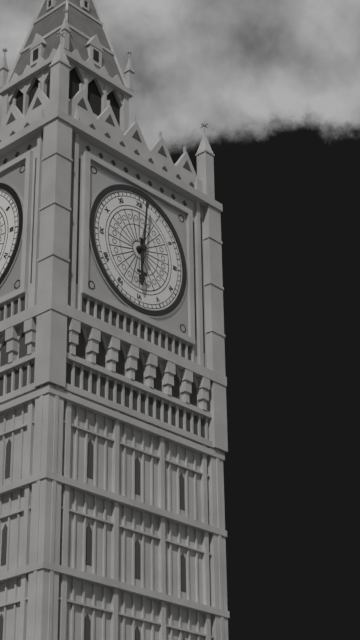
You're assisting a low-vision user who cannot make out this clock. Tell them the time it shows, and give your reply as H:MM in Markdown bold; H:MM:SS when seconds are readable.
**6:01**
